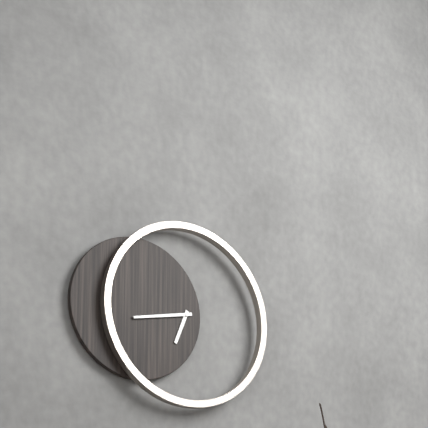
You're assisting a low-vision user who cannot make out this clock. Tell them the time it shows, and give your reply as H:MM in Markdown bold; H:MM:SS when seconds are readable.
**6:43**
